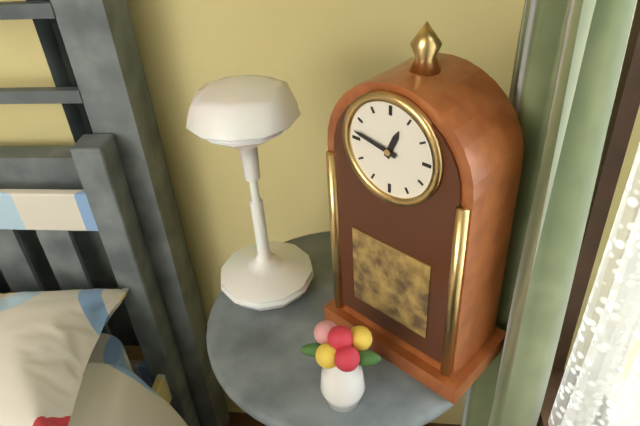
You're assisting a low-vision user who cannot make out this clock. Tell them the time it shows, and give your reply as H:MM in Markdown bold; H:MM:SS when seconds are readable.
**12:47**
